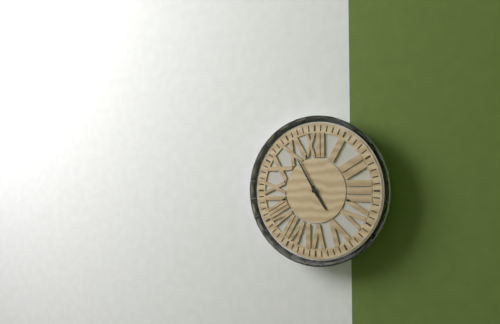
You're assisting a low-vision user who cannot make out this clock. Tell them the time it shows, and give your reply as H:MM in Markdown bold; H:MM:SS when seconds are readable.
**4:55**
